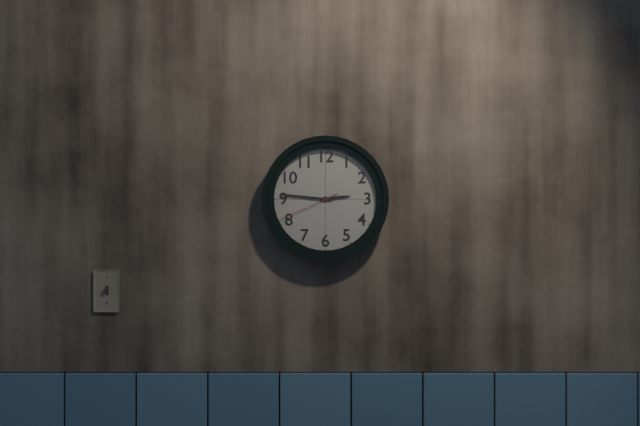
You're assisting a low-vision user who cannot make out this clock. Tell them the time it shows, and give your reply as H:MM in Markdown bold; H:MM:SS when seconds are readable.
**2:46:41**
